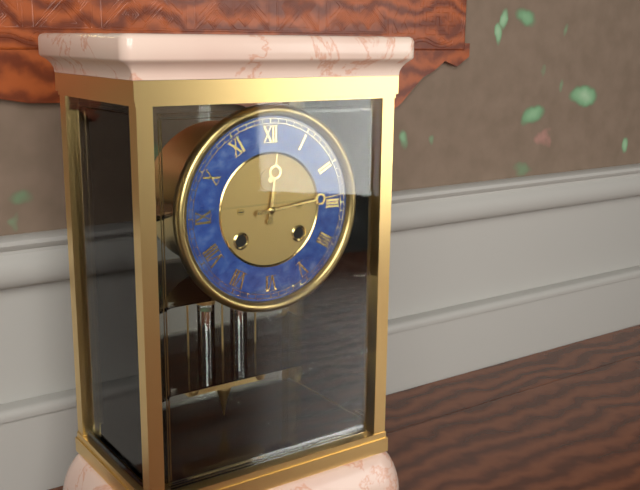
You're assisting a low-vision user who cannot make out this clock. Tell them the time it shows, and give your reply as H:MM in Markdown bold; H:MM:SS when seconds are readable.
**12:14**
